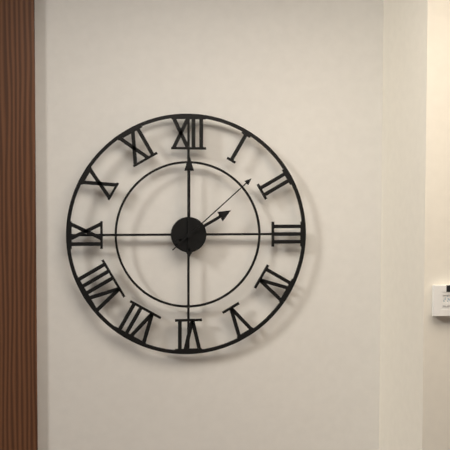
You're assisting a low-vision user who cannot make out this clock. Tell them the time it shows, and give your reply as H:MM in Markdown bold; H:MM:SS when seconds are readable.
**2:00:08**
